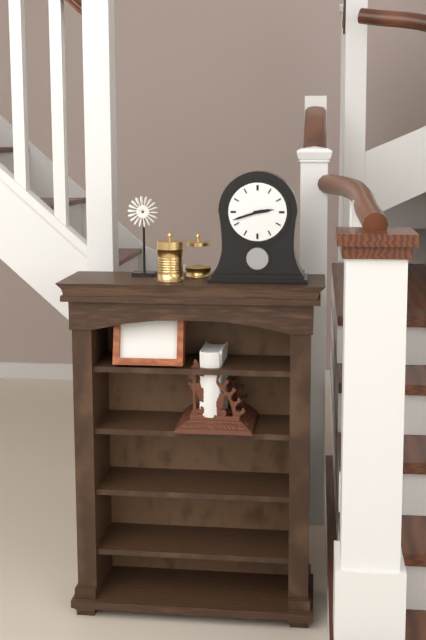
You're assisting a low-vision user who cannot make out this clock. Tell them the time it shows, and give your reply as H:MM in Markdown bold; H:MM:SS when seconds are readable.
**2:42**
